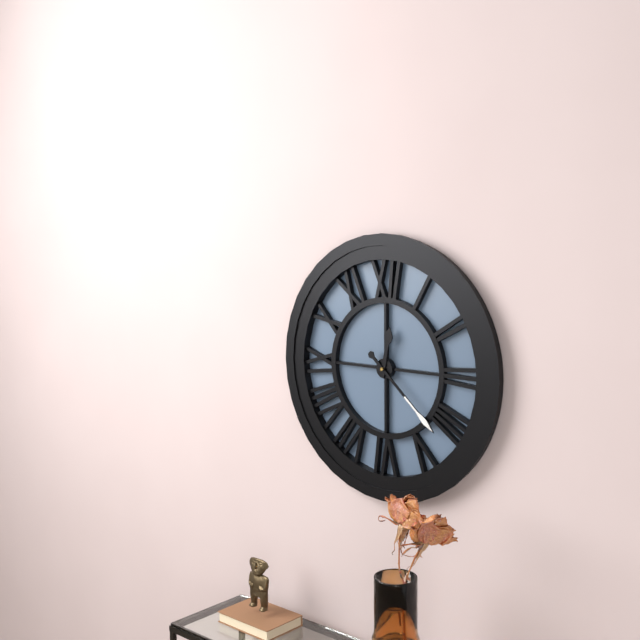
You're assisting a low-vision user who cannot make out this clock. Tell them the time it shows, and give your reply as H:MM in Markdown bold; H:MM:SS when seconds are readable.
**12:22**
